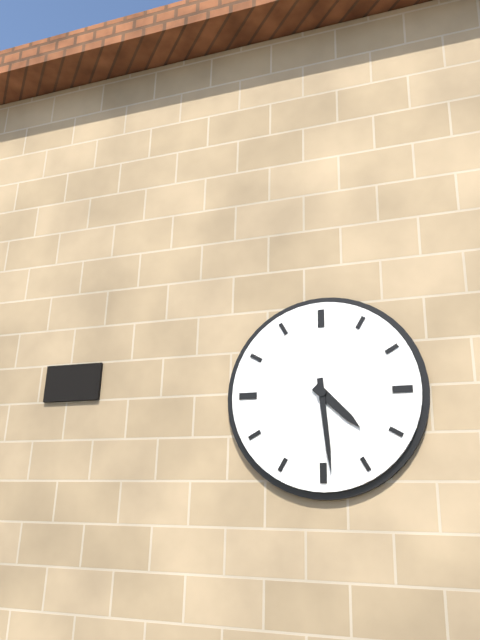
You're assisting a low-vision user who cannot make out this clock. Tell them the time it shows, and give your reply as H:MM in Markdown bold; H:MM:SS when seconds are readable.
**4:29**
